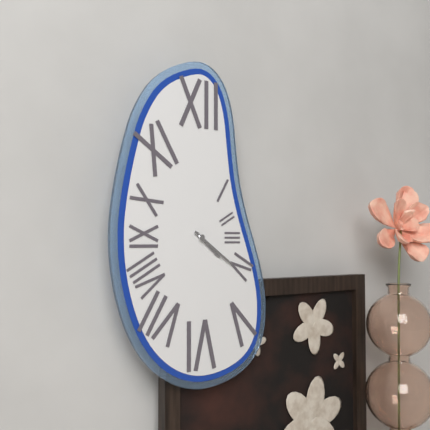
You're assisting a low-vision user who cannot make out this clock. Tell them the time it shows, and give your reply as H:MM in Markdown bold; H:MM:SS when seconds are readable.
**4:21**
